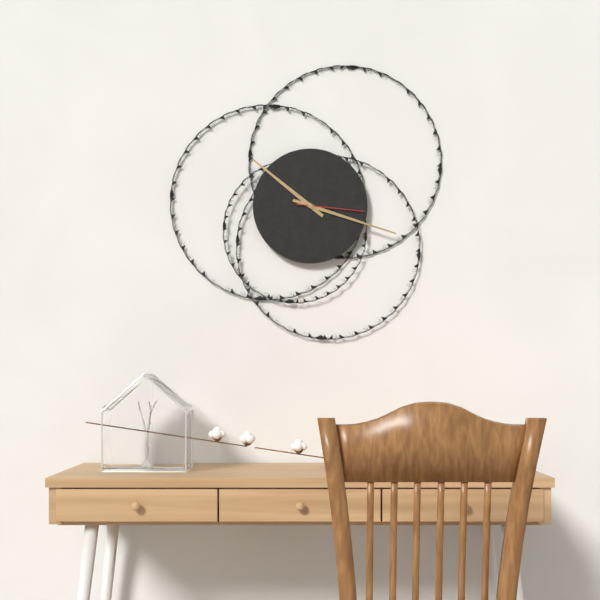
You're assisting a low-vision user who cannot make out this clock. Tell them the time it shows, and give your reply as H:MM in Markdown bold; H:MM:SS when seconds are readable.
**10:18:16**
